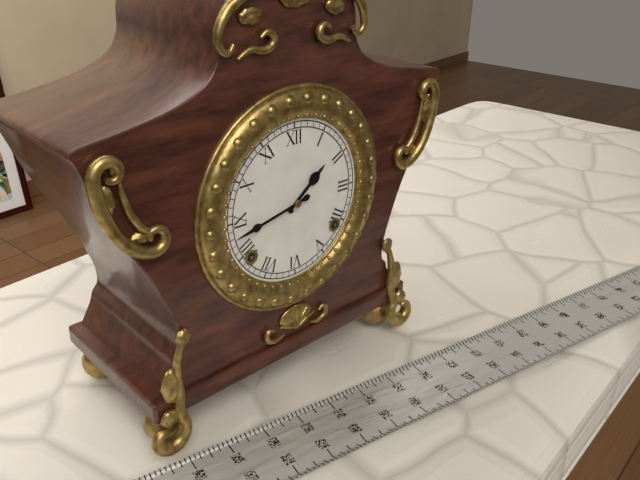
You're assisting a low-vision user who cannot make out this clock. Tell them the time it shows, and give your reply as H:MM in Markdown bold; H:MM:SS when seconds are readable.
**1:43**
